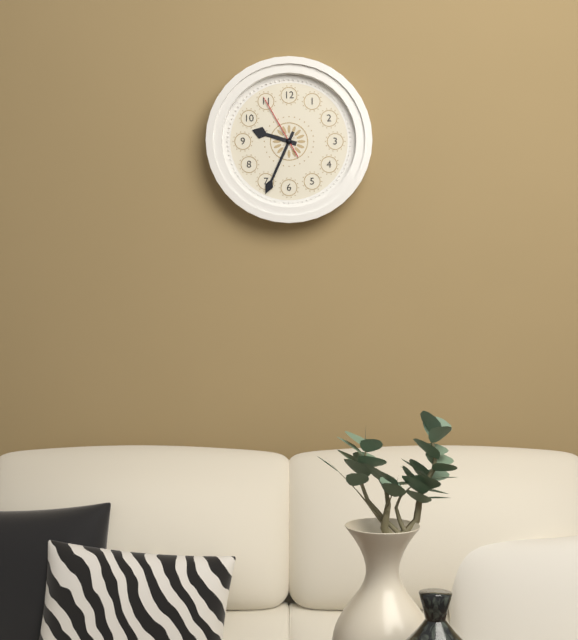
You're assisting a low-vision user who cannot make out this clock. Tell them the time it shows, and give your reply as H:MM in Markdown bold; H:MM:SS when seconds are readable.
**9:34:55**
